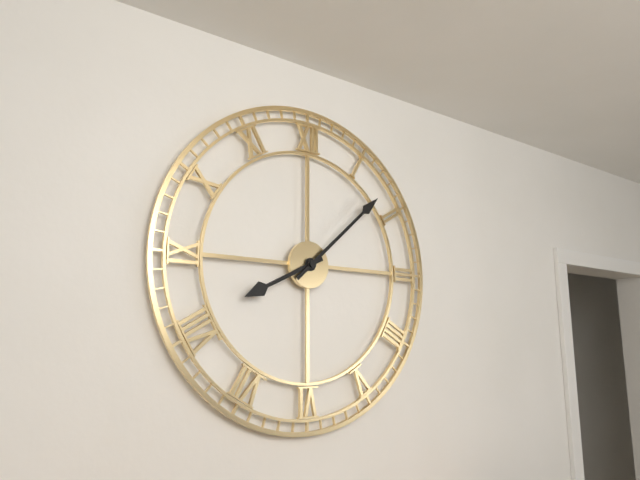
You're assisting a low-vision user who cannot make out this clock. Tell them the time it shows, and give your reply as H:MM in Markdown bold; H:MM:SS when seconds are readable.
**8:08**
